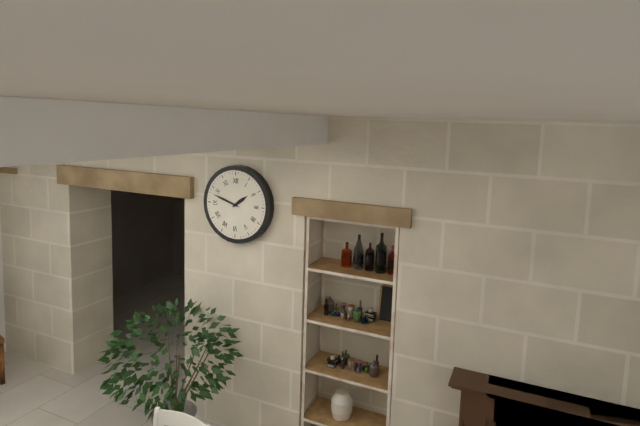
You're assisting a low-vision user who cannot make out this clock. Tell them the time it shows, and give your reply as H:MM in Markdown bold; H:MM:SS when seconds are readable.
**1:48**
